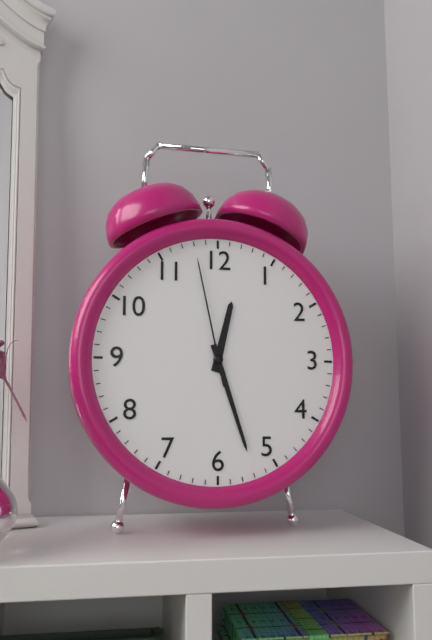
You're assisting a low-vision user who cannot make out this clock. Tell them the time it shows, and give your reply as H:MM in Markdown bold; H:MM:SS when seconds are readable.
**12:27:58**
